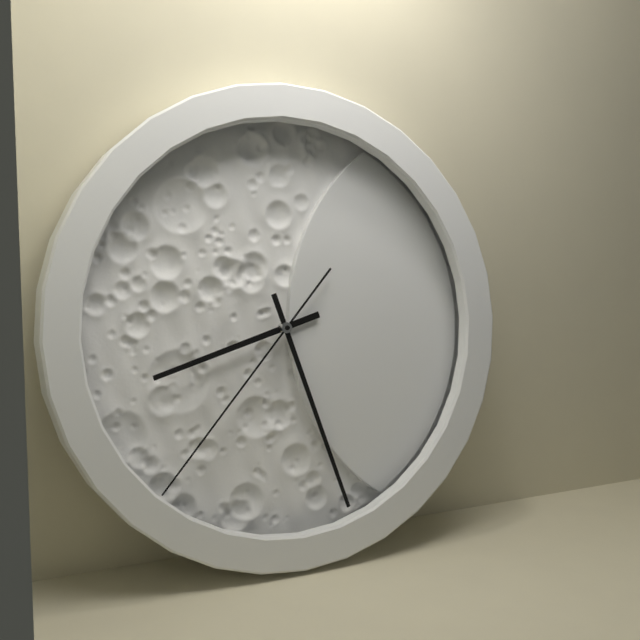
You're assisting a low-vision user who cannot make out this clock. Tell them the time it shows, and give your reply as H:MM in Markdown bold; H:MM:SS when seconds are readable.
**8:27:37**
